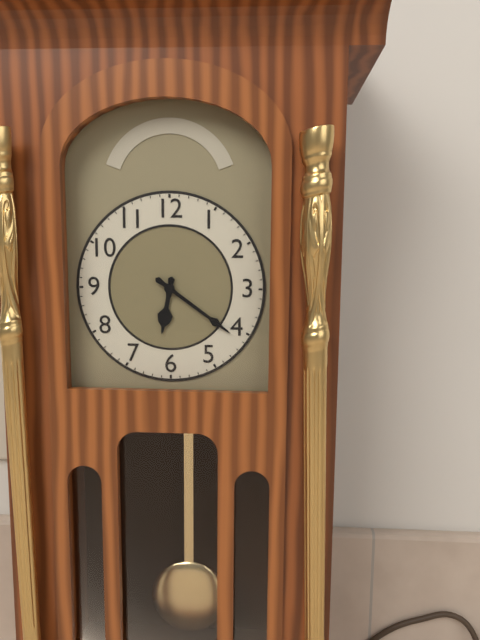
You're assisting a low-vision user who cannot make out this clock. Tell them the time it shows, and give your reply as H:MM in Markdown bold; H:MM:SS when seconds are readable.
**6:21**
